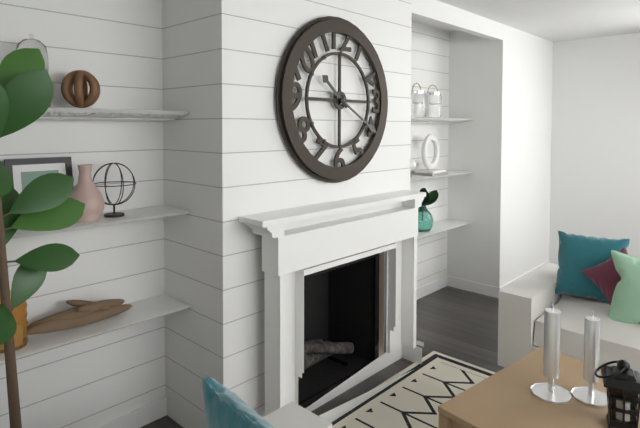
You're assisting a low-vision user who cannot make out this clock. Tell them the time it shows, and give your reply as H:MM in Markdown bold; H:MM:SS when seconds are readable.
**10:20**
